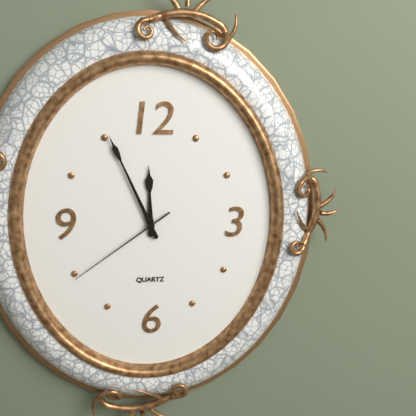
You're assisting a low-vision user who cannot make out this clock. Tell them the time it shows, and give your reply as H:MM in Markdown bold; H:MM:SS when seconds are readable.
**11:56:39**
